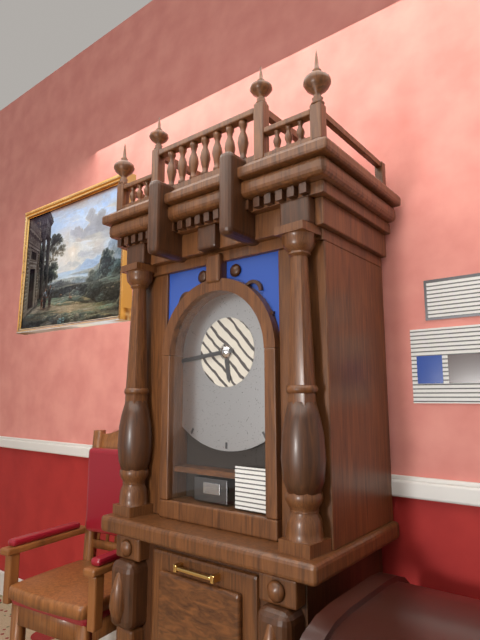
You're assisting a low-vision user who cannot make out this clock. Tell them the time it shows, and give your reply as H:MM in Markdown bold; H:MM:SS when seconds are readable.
**5:44**
